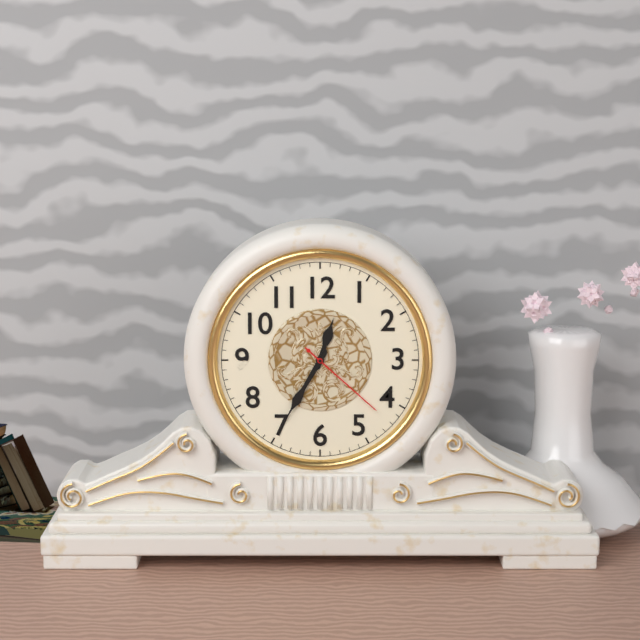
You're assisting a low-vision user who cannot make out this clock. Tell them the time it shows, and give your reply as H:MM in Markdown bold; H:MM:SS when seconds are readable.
**12:35:22**
